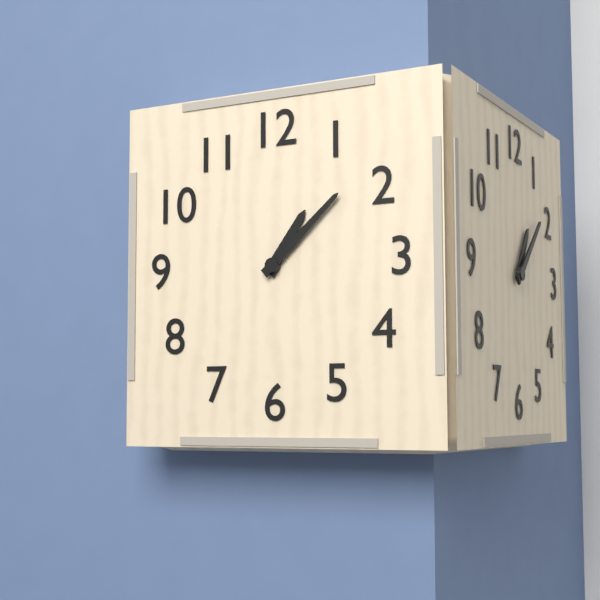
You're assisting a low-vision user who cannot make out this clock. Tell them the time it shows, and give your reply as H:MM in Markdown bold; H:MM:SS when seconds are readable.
**1:08**
